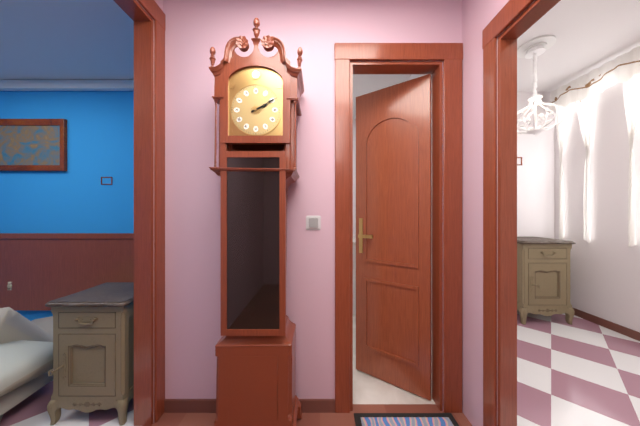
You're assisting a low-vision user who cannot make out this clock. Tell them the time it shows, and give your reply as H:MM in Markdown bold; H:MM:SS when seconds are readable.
**2:10**
